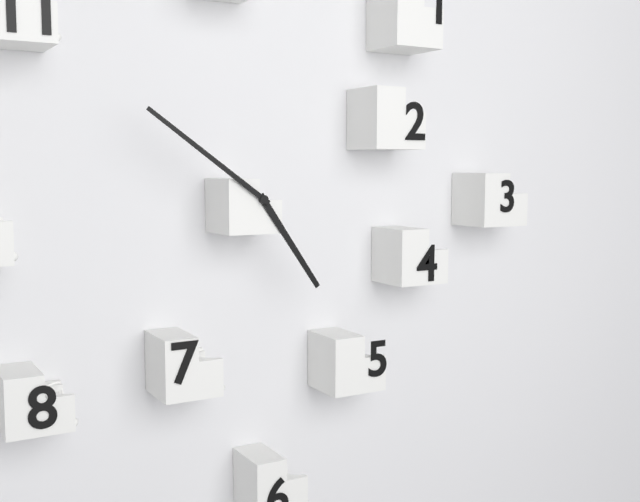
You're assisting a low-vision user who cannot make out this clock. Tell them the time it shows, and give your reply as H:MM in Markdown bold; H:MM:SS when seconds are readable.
**4:51**
